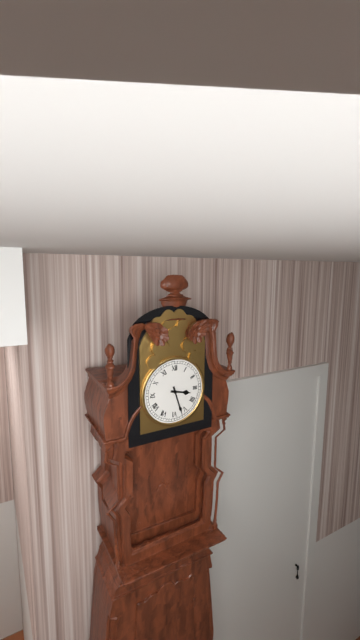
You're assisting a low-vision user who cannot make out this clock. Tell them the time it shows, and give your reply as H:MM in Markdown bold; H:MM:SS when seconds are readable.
**3:27**
